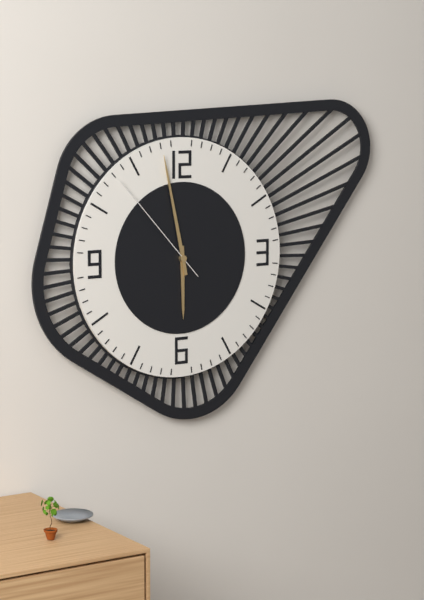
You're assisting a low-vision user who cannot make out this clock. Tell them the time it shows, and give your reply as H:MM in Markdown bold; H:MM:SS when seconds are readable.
**5:58:53**
